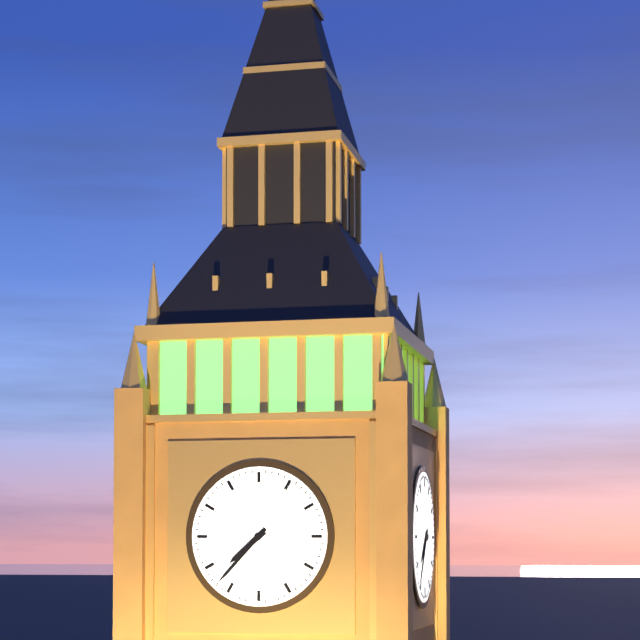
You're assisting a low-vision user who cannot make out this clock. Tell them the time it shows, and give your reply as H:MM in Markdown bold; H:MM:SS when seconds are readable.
**7:37**
